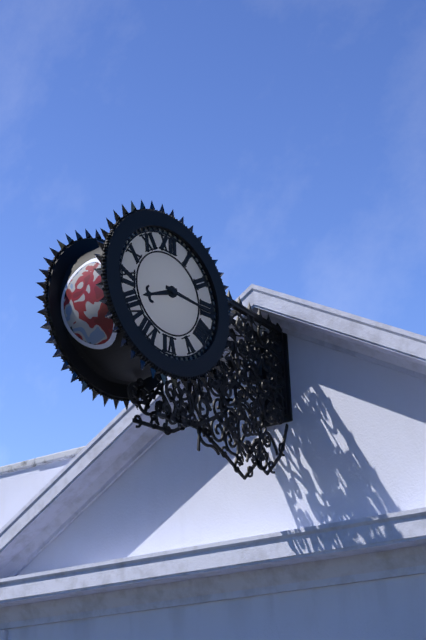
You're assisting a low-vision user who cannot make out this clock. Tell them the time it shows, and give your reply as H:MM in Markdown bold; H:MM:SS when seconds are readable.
**8:16**
